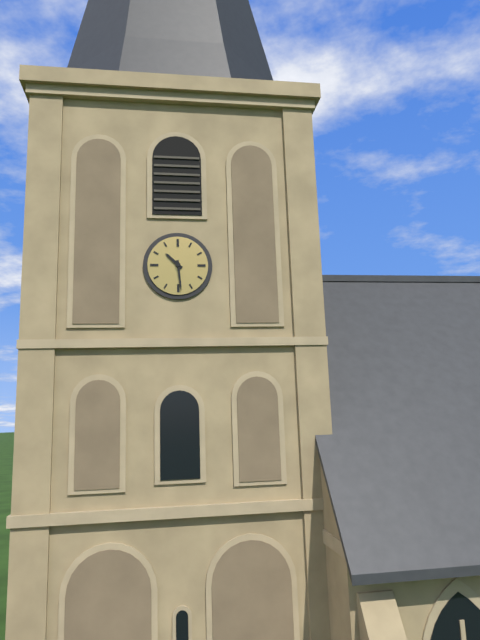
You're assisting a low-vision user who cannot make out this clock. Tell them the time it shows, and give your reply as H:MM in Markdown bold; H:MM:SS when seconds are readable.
**10:29**
